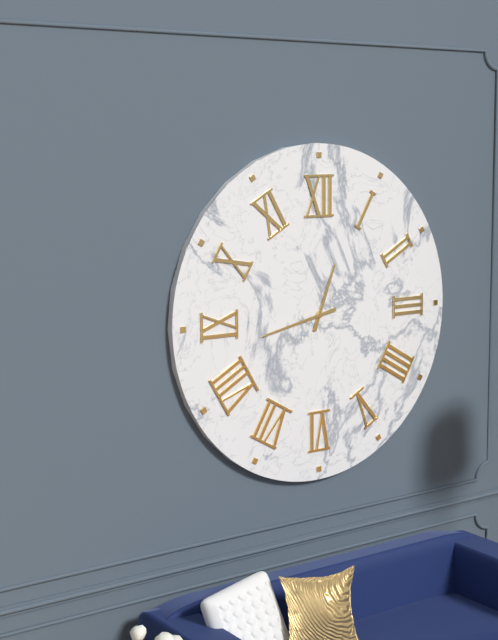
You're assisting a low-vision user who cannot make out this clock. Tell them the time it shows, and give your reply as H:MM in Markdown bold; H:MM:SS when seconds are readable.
**12:43**
